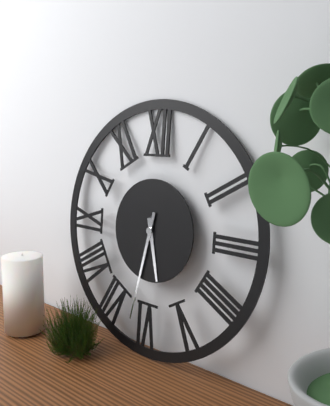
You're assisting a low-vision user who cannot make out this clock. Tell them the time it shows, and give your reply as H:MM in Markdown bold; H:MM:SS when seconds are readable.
**5:32**
